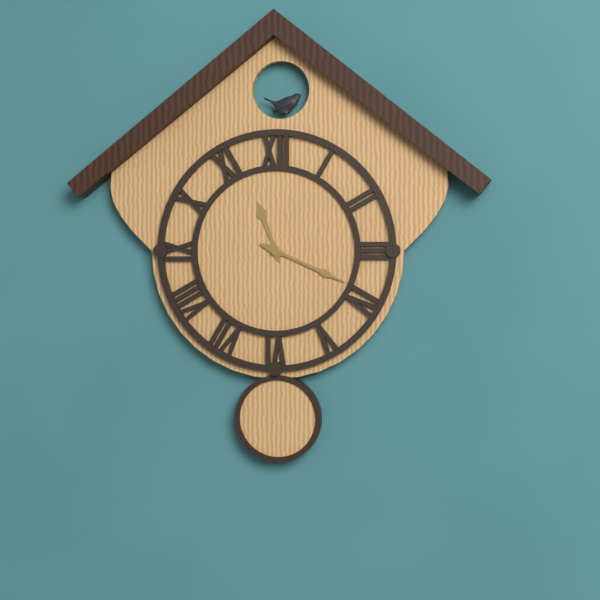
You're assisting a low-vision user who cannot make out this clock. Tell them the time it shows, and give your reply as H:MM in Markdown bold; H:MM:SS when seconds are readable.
**11:19**
